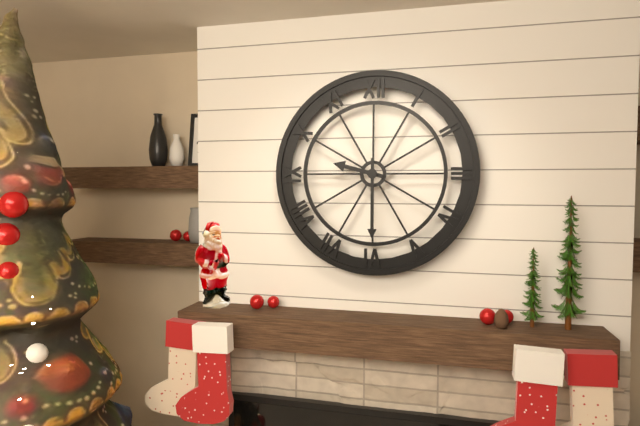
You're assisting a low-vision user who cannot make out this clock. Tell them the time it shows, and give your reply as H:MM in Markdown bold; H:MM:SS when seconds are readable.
**9:30**
